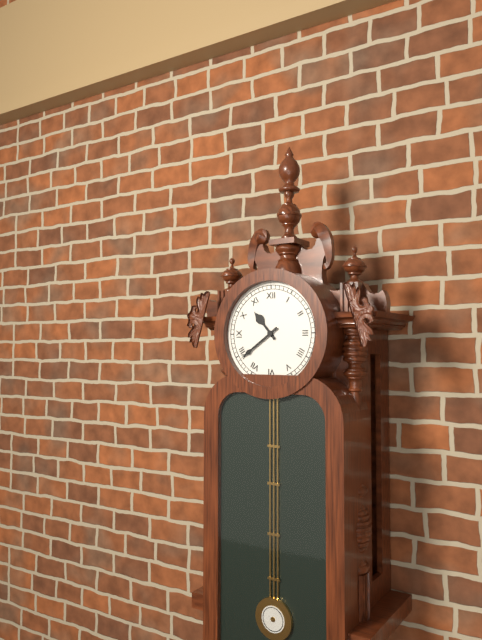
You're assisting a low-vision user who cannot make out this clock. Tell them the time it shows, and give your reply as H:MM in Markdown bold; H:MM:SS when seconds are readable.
**10:39**
